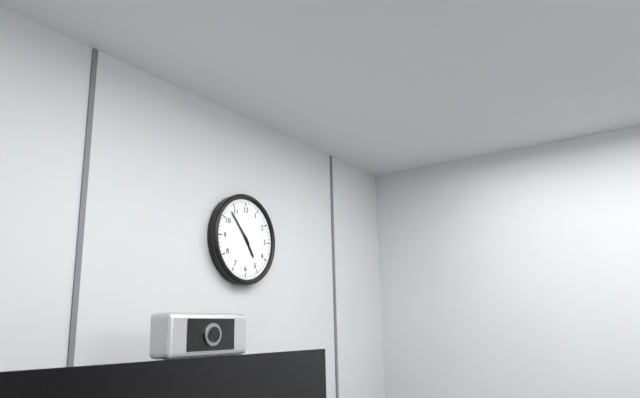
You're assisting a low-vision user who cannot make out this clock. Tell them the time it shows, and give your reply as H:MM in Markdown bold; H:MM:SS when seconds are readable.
**4:53**
